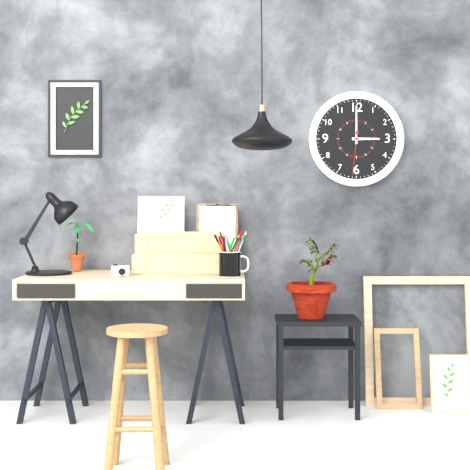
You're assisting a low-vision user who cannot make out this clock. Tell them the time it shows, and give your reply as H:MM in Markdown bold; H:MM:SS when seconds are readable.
**3:00**
